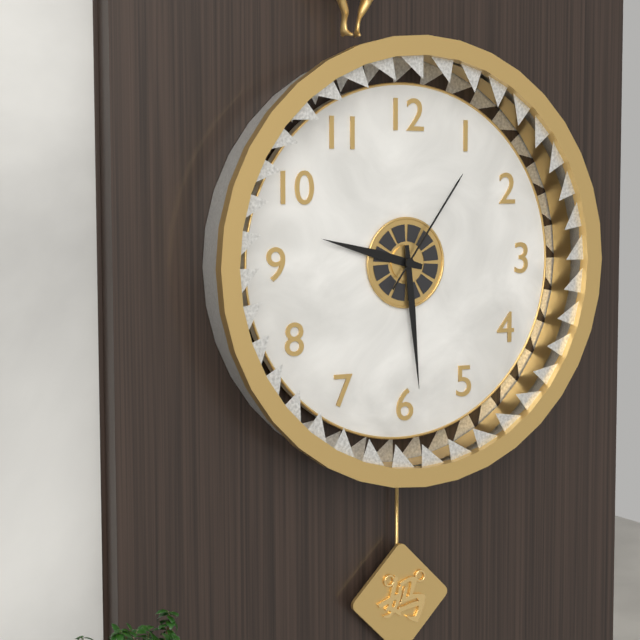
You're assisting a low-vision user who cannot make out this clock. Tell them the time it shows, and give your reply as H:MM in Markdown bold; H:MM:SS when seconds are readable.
**9:29:06**
